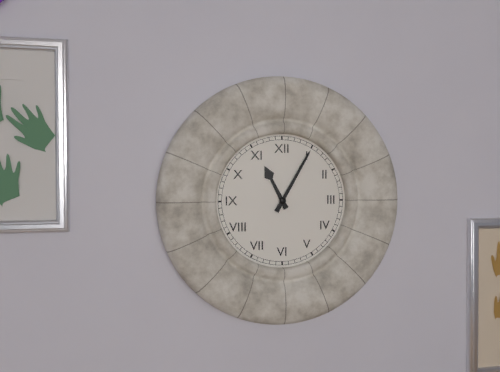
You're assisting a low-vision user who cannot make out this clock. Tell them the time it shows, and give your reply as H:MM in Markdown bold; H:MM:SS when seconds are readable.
**11:05**
